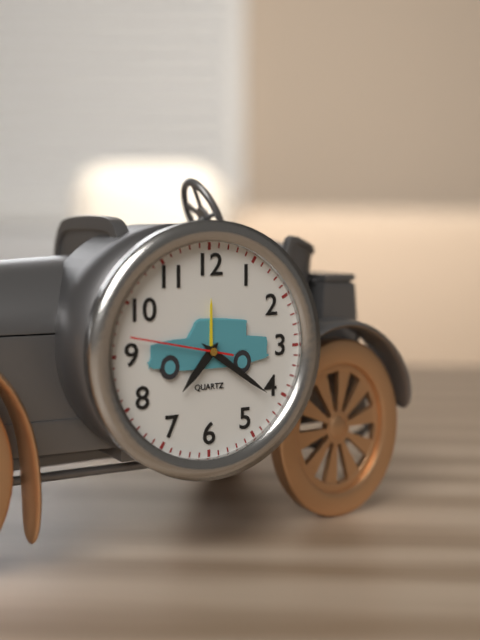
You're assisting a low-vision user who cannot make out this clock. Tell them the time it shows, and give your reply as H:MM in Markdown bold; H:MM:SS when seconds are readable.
**7:21:47**
